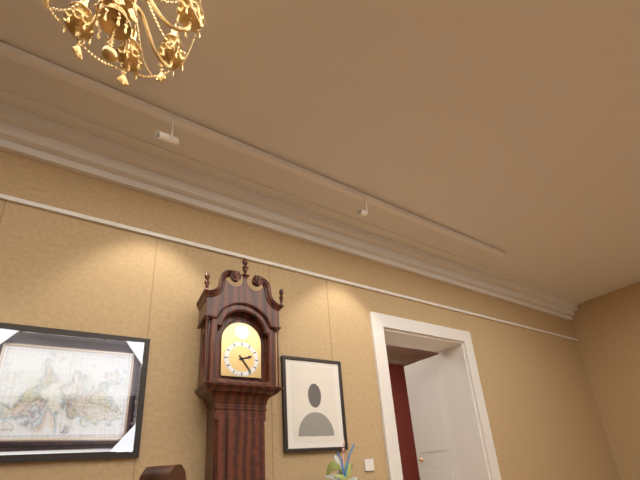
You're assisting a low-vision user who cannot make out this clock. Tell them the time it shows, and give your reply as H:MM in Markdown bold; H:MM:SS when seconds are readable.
**2:24**
